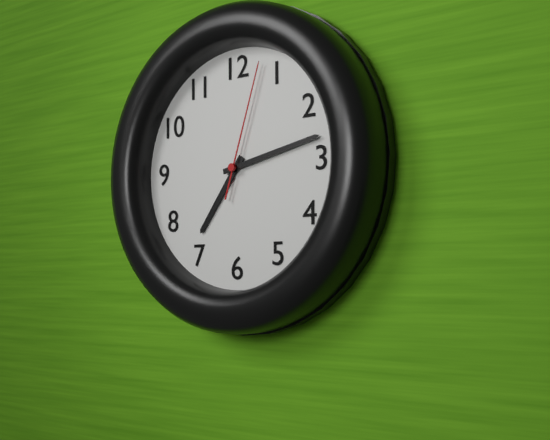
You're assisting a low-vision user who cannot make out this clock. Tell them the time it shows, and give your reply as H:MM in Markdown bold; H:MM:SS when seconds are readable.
**7:13:03**
